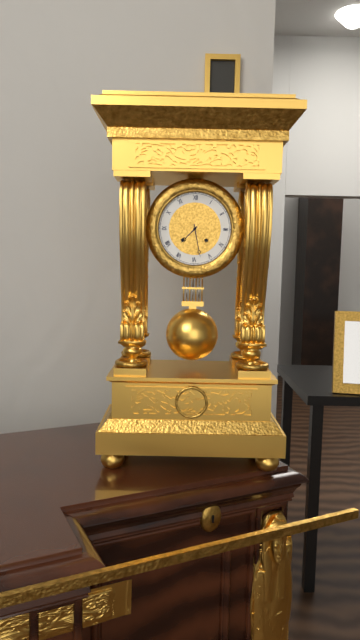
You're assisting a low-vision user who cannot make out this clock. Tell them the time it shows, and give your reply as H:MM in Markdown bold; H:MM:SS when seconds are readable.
**7:28**
